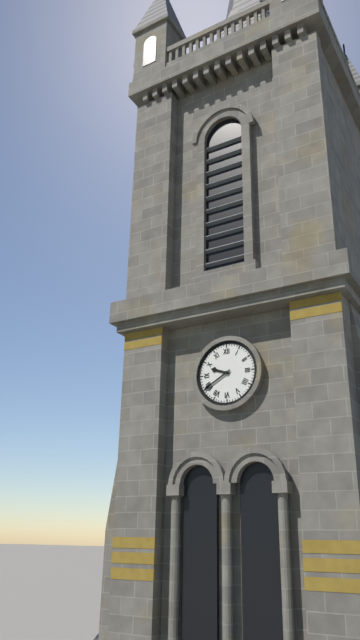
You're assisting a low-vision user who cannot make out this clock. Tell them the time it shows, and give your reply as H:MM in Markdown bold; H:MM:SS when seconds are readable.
**9:40**
